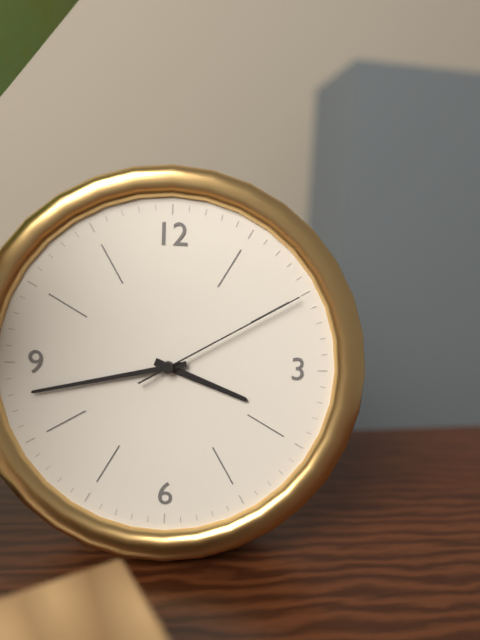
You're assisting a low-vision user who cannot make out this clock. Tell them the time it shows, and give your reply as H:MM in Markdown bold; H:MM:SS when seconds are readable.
**3:43:10**
